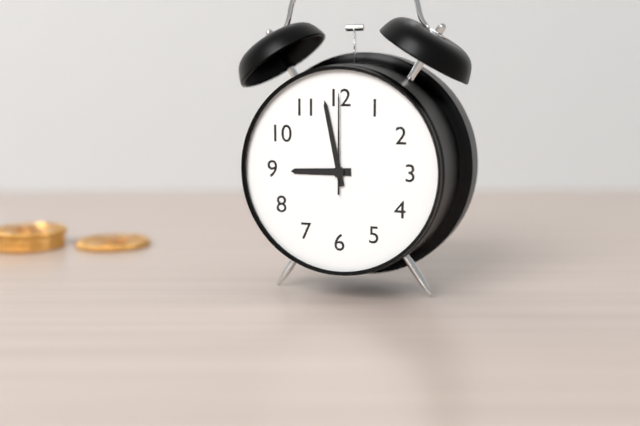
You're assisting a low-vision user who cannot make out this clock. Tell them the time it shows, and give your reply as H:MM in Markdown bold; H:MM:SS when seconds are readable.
**8:58:00**
